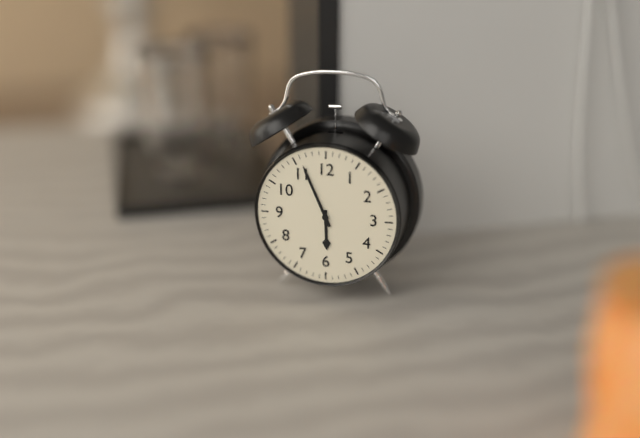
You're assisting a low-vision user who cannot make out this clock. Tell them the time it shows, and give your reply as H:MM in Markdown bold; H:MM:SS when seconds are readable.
**5:56**
